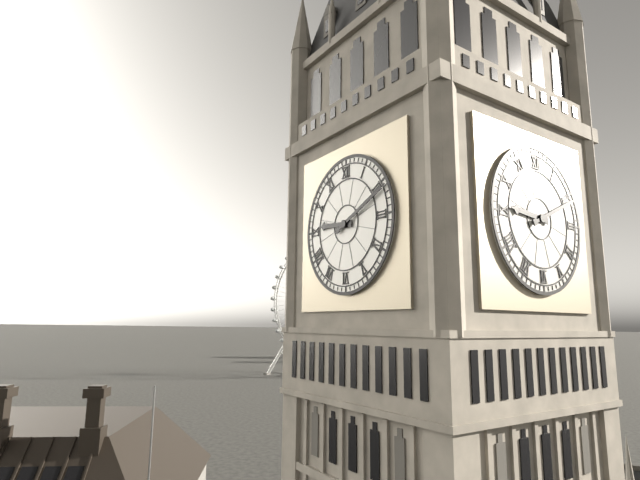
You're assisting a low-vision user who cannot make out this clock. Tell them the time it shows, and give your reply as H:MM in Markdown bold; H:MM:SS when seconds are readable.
**9:11**
